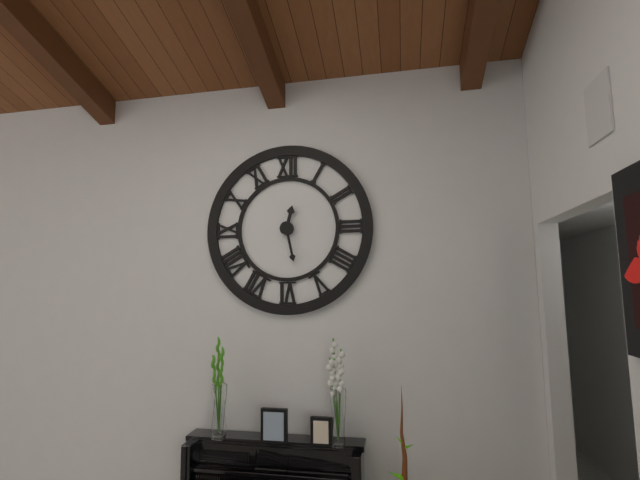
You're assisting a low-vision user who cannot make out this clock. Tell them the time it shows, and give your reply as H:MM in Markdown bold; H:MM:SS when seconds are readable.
**12:28**
